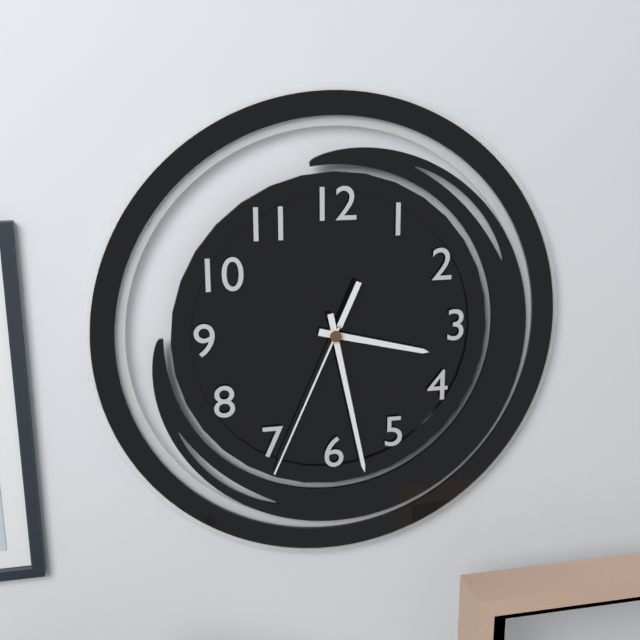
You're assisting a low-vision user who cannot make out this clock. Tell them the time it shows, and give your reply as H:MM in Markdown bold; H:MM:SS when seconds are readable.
**3:28:34**
